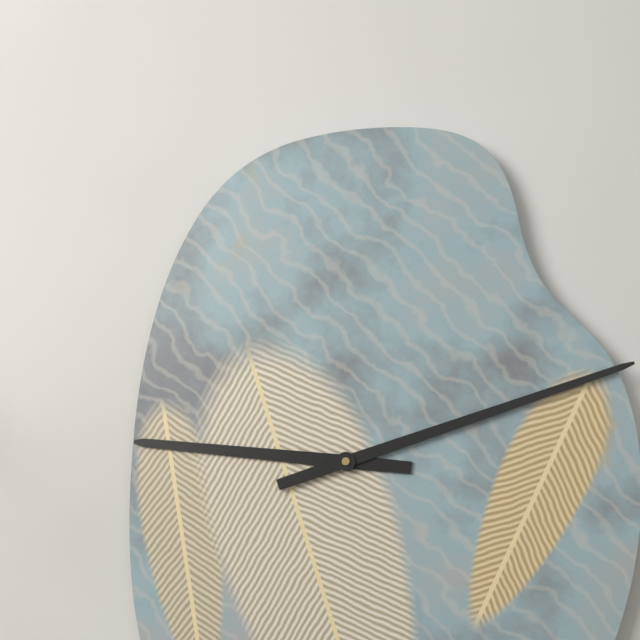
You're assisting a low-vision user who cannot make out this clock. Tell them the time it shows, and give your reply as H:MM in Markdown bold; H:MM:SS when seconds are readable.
**9:12**
